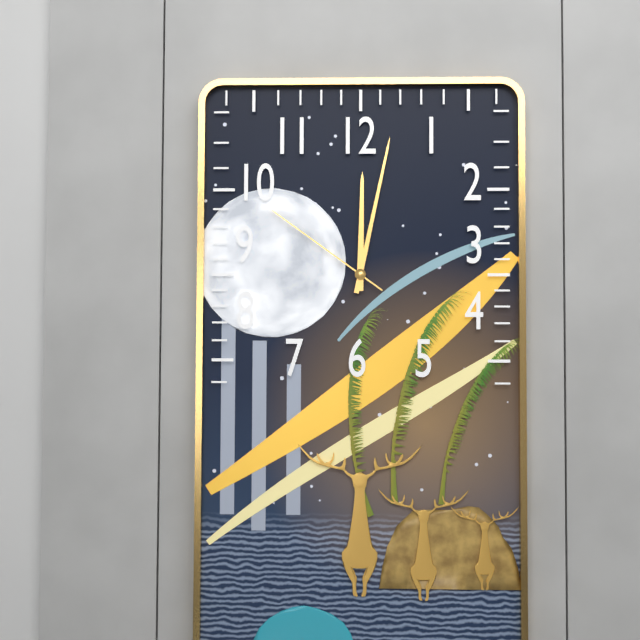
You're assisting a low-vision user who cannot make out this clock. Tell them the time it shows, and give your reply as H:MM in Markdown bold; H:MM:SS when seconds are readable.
**12:02:51**
